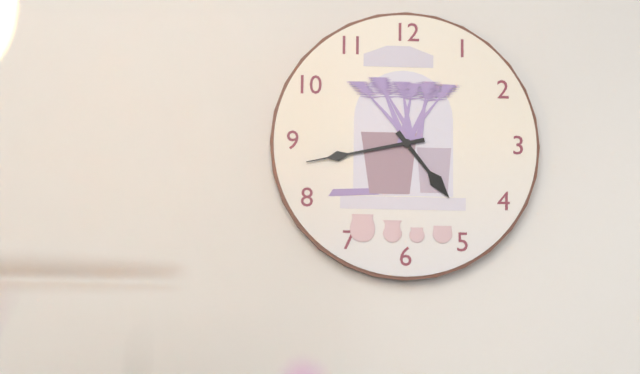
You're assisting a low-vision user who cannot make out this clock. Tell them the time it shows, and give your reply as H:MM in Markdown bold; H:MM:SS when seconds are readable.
**4:43**
